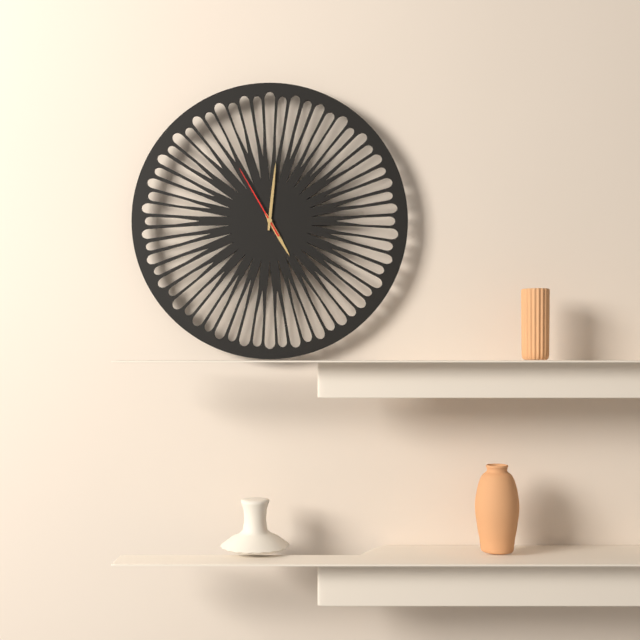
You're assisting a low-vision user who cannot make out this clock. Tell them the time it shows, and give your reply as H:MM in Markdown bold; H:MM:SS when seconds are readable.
**5:01:55**
